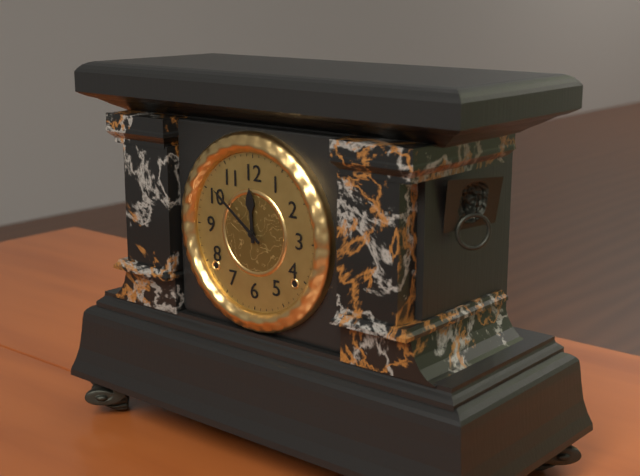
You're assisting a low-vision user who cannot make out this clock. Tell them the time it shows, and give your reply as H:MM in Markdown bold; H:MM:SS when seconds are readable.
**11:51**
